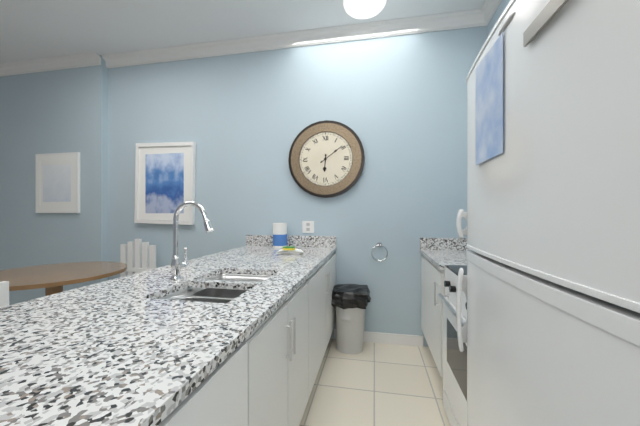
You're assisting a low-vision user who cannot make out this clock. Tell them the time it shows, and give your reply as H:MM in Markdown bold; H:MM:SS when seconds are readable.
**6:09**
